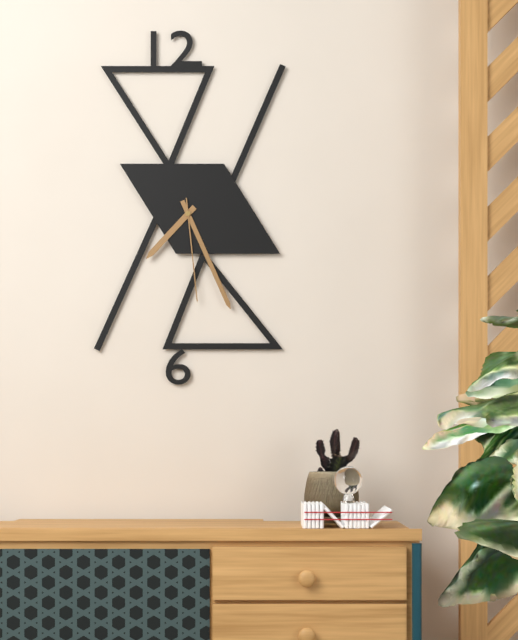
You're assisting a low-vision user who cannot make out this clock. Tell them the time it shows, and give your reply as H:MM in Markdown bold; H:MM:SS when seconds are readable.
**7:26:29**
